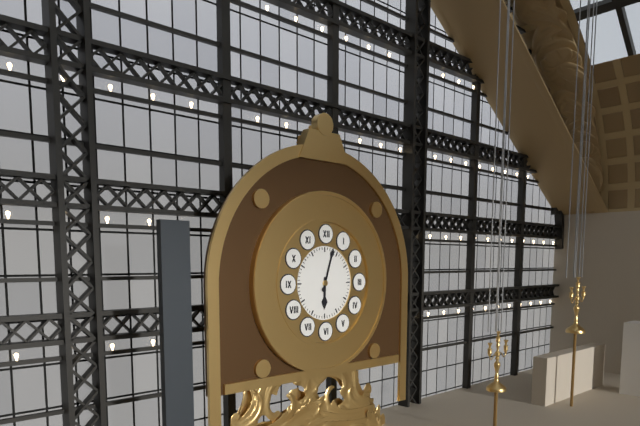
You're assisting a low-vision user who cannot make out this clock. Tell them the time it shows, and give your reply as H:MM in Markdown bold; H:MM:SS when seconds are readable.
**6:03**
